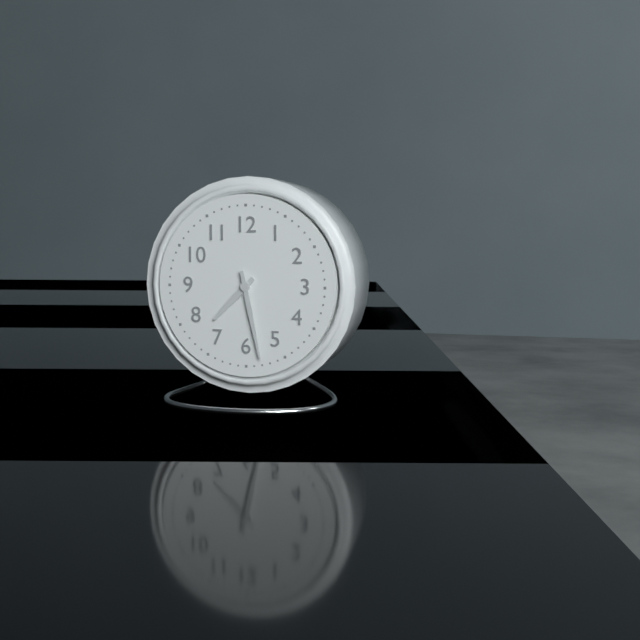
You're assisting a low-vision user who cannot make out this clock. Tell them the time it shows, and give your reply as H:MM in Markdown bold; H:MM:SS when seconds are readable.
**7:28**
